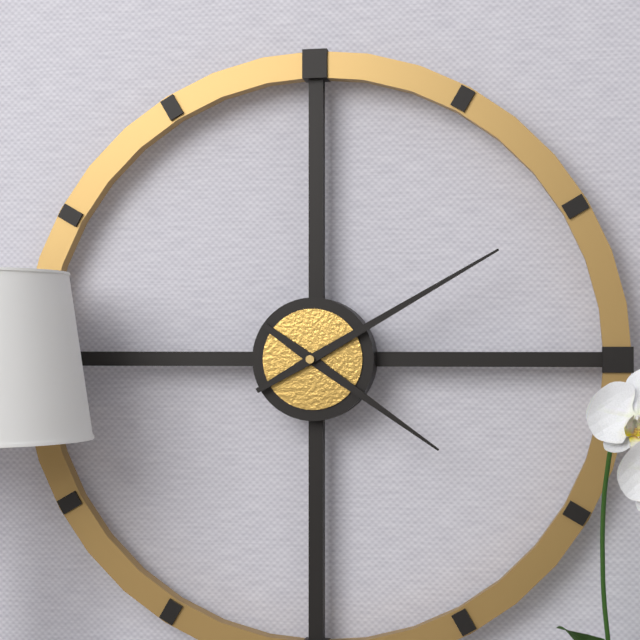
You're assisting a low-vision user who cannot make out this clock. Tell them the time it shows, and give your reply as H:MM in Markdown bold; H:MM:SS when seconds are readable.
**4:10**
